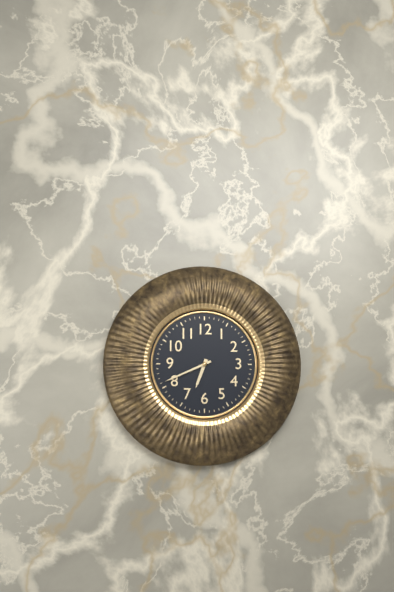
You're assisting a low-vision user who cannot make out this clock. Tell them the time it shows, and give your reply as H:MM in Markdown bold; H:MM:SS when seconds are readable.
**6:41**
